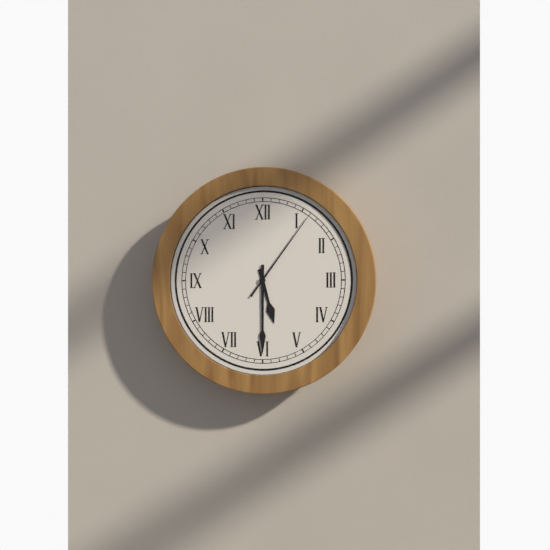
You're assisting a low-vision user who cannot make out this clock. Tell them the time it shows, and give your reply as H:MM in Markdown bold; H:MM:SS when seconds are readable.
**5:30:06**
